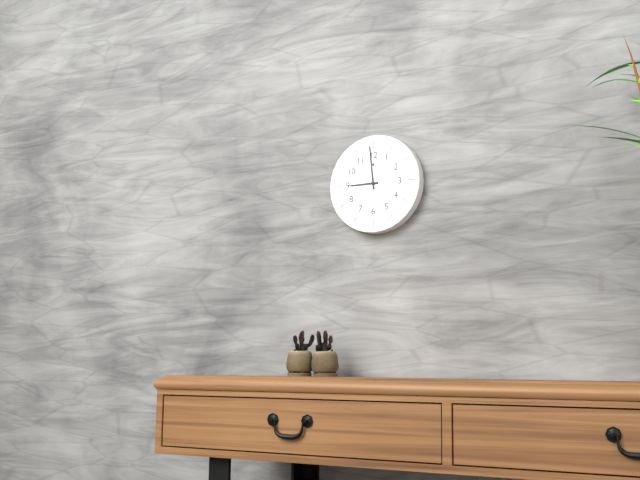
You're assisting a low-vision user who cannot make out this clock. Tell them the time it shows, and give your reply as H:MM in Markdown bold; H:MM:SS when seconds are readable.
**8:59**
